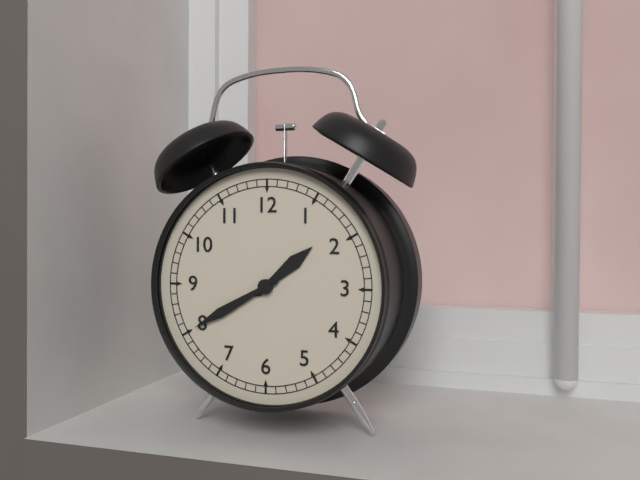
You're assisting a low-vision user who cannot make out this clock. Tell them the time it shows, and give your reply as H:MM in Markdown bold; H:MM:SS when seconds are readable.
**1:40**
